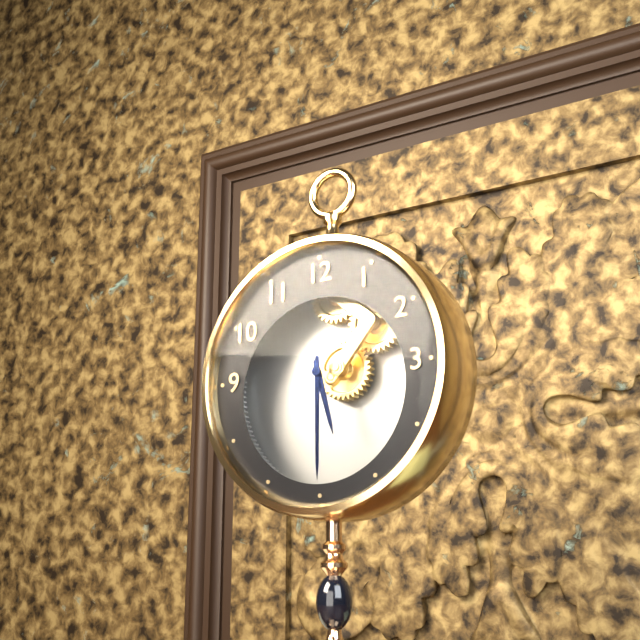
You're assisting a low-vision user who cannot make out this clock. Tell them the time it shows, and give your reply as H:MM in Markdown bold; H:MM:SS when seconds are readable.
**5:30**
